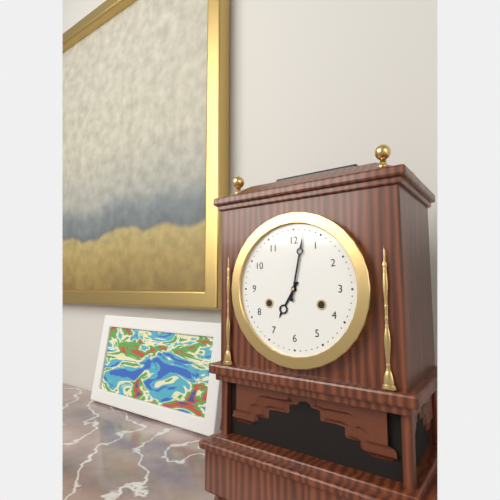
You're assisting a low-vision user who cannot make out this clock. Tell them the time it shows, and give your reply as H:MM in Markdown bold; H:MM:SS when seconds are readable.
**7:02**
